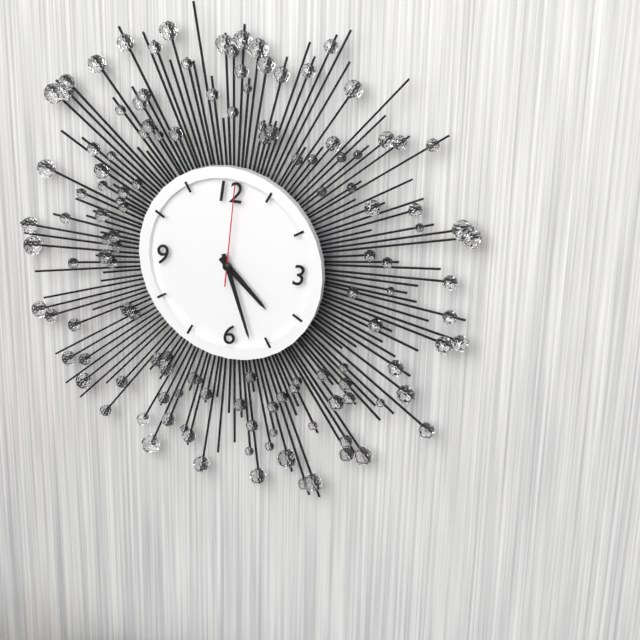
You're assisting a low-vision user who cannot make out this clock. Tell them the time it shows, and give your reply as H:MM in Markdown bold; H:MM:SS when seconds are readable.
**4:27:01**
